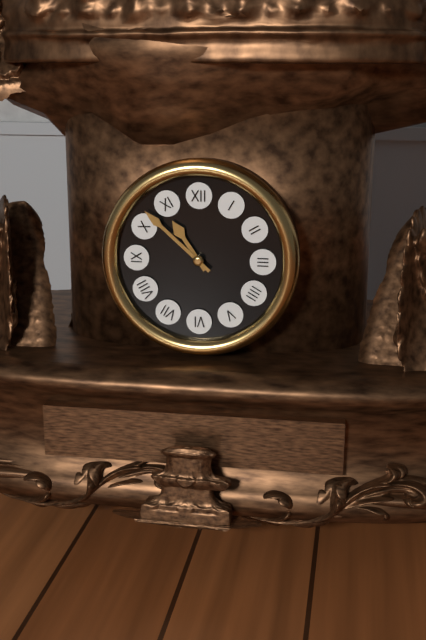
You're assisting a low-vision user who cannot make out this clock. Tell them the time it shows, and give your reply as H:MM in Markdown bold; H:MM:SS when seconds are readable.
**10:52**
